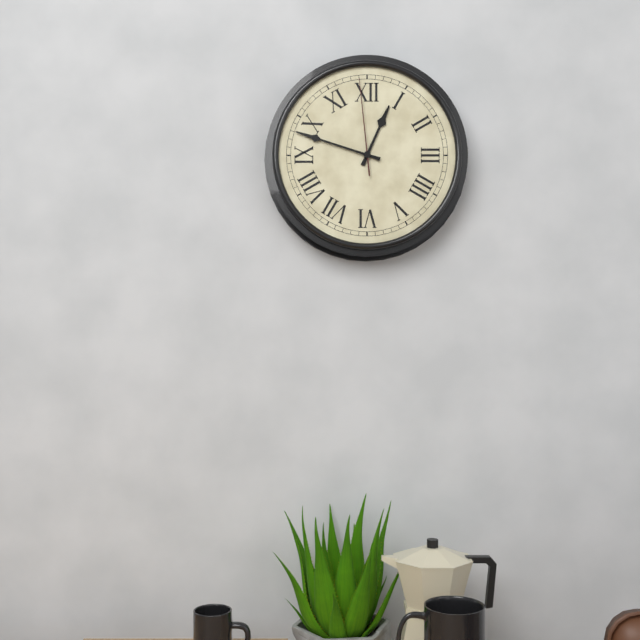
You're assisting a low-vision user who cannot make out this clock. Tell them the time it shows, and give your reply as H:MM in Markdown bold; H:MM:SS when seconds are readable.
**12:48:59**
